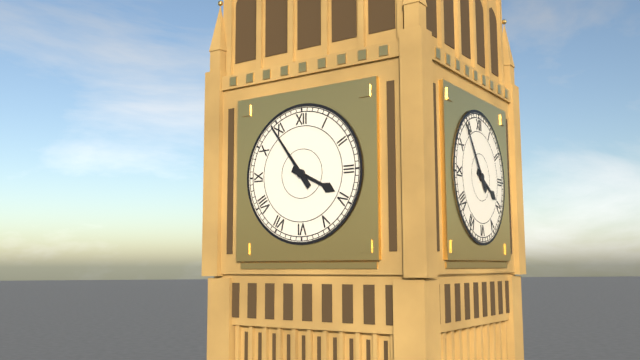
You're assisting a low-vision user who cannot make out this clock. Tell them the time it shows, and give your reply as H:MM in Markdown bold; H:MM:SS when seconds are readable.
**3:54**
